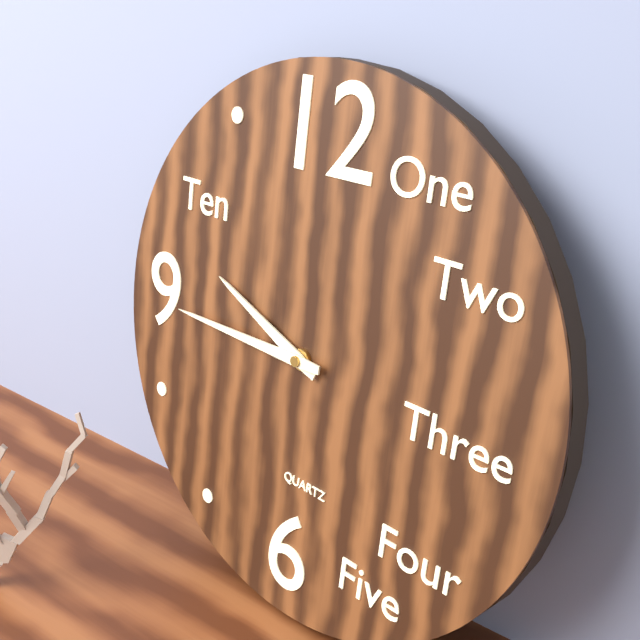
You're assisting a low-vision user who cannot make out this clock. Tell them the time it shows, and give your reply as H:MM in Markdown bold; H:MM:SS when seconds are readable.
**9:45**
